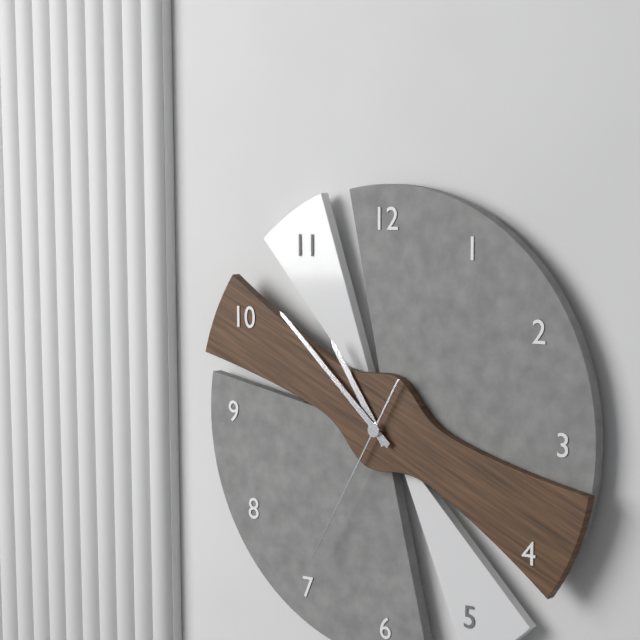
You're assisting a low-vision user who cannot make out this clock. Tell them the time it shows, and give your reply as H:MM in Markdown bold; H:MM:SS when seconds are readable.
**10:52:35**
